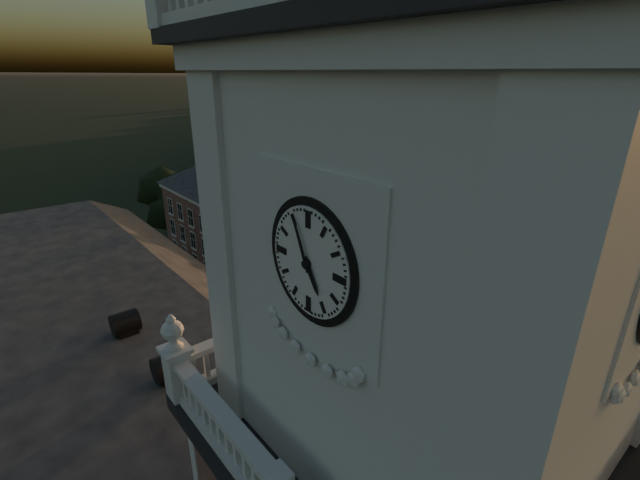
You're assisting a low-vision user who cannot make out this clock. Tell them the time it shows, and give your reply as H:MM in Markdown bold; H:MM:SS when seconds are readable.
**4:56**
